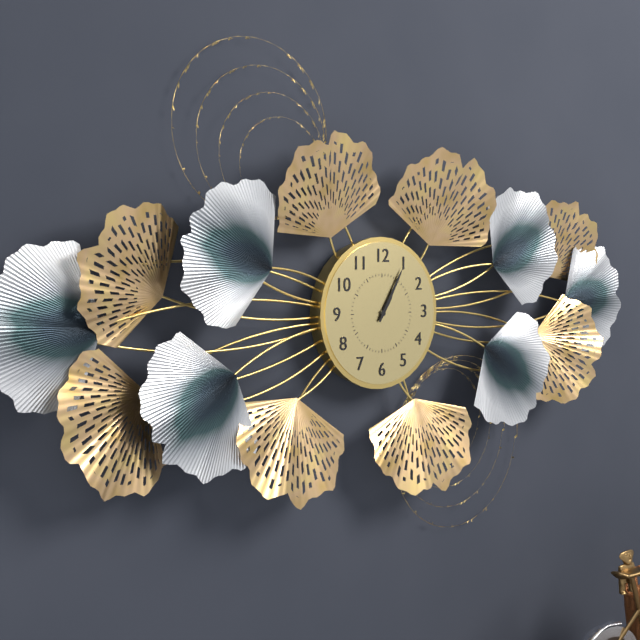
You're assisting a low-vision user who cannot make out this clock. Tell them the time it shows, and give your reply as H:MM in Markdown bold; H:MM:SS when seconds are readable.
**1:05**
